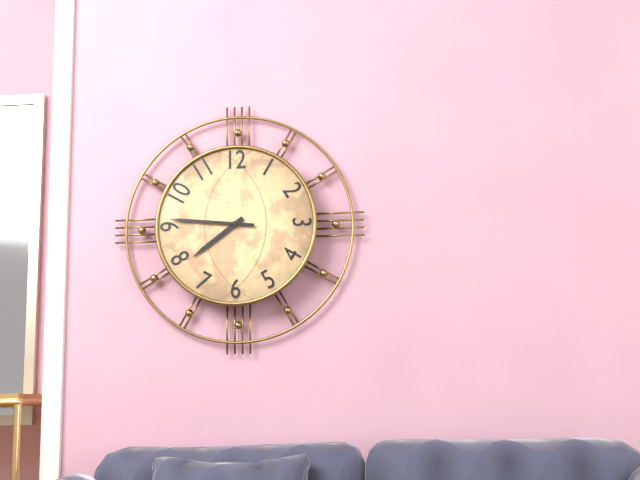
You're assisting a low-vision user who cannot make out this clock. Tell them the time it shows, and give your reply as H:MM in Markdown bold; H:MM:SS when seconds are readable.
**7:46**
